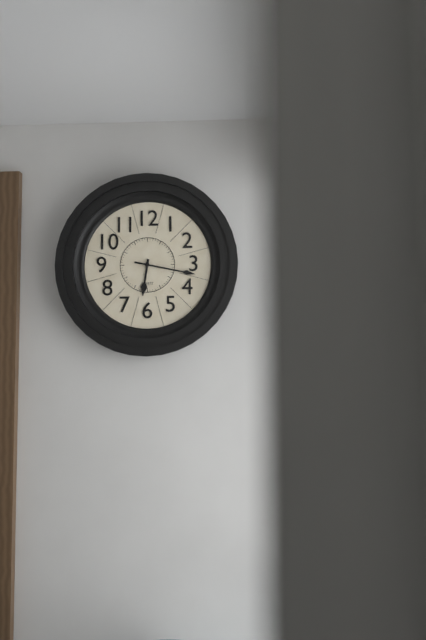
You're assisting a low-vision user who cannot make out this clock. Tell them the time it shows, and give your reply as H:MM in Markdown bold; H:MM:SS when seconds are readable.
**6:17**
